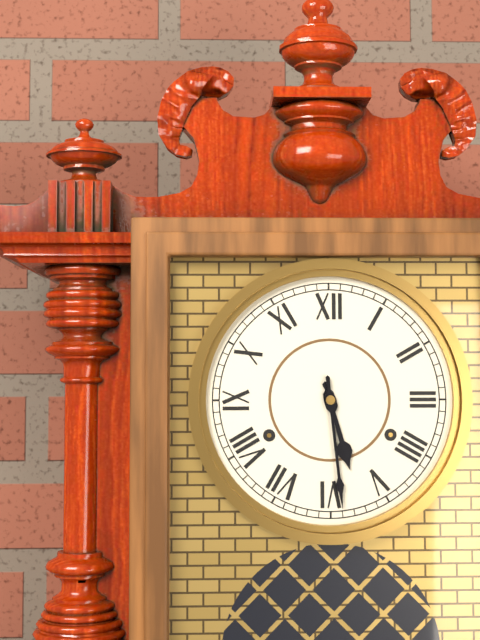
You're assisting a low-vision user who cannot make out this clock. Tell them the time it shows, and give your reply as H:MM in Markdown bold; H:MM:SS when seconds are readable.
**5:29**
